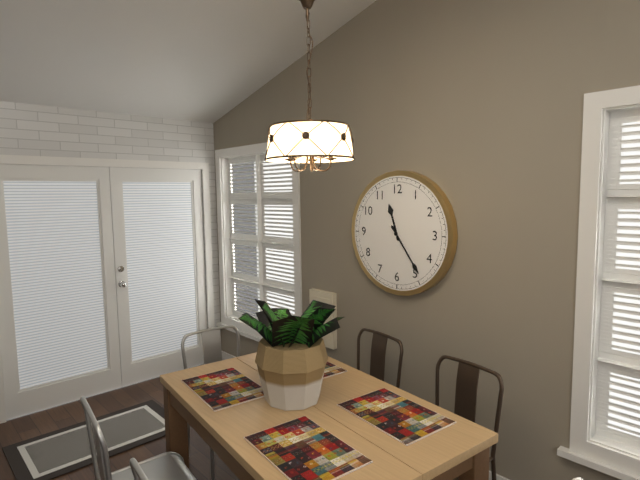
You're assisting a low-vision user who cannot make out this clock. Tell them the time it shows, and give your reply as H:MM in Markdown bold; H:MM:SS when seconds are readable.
**11:24**
